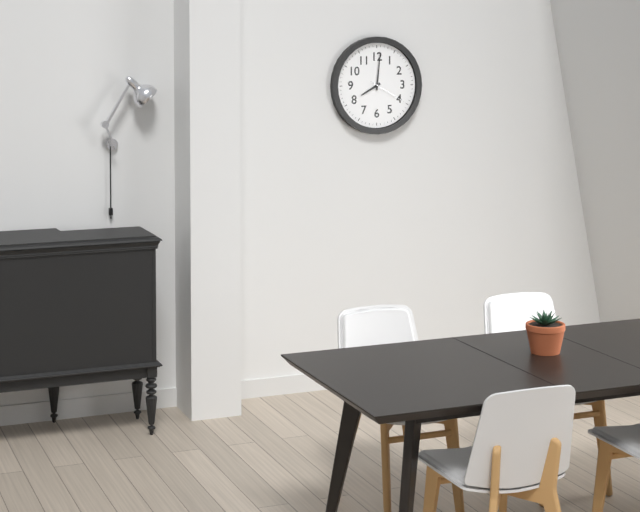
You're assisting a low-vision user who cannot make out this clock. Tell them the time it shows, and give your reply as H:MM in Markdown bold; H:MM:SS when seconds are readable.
**8:01**
